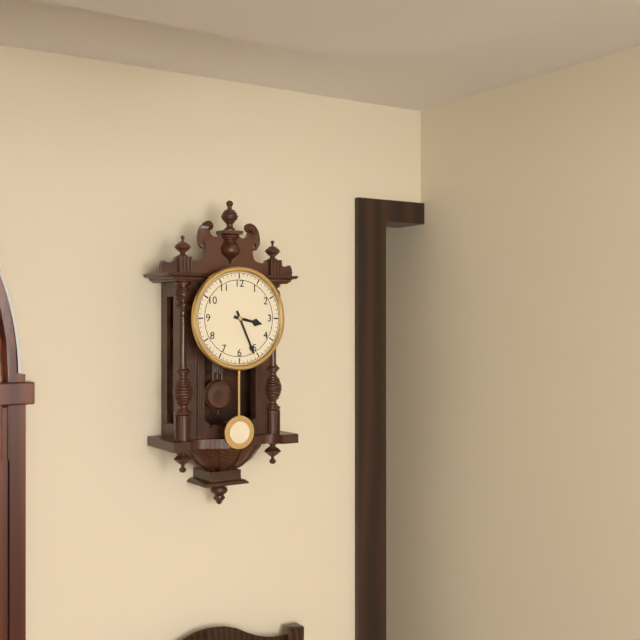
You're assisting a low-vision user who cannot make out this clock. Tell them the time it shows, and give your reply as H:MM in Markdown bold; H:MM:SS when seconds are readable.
**3:26**
